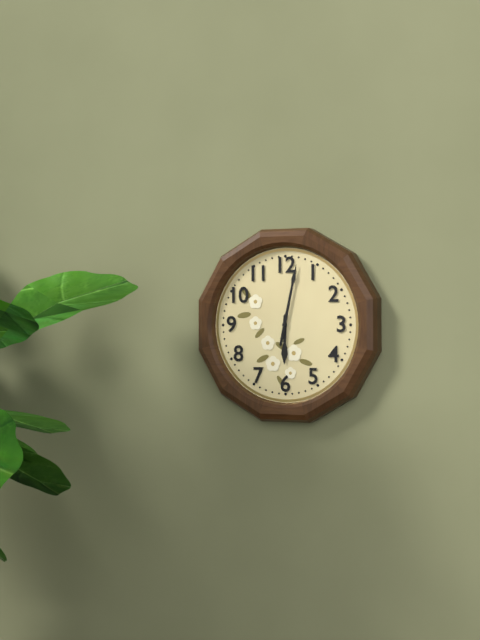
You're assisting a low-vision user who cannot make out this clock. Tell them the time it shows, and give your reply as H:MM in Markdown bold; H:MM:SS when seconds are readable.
**6:02**
